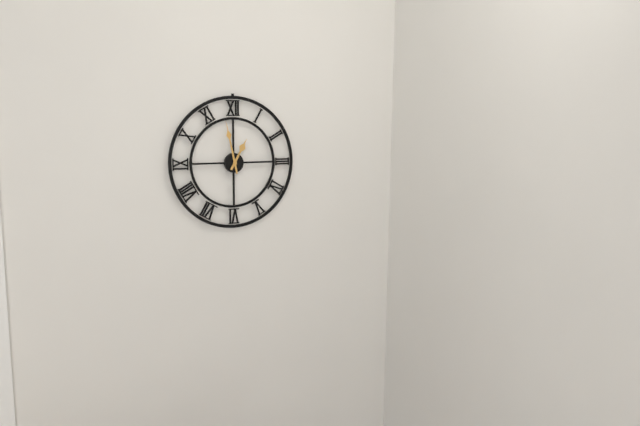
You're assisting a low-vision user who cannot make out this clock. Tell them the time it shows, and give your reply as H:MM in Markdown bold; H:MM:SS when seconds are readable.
**12:58**
